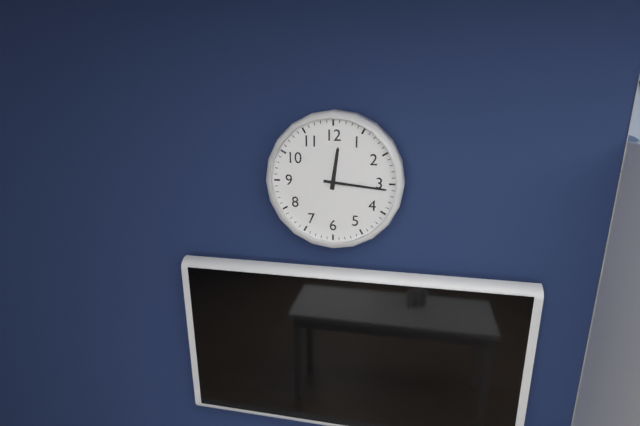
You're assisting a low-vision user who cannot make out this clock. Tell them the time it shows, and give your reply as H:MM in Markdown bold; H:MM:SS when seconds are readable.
**12:16**
